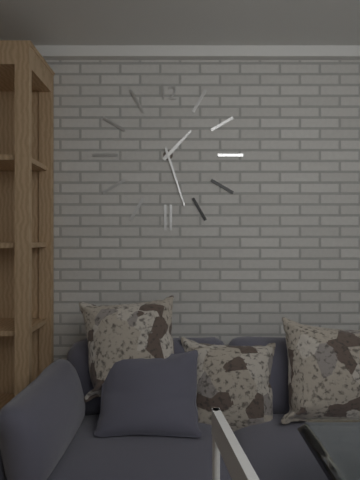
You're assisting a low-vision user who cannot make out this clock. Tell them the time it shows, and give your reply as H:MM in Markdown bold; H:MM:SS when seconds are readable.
**1:27**
